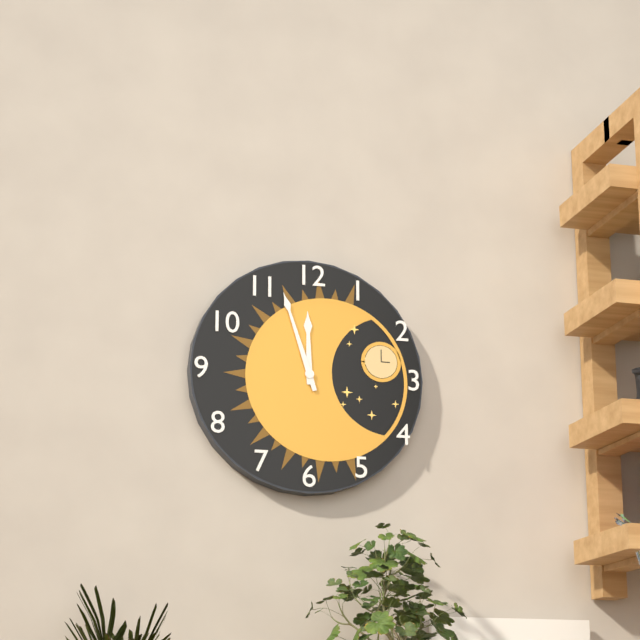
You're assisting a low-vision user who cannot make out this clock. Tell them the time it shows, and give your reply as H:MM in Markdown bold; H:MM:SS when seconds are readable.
**11:57**
